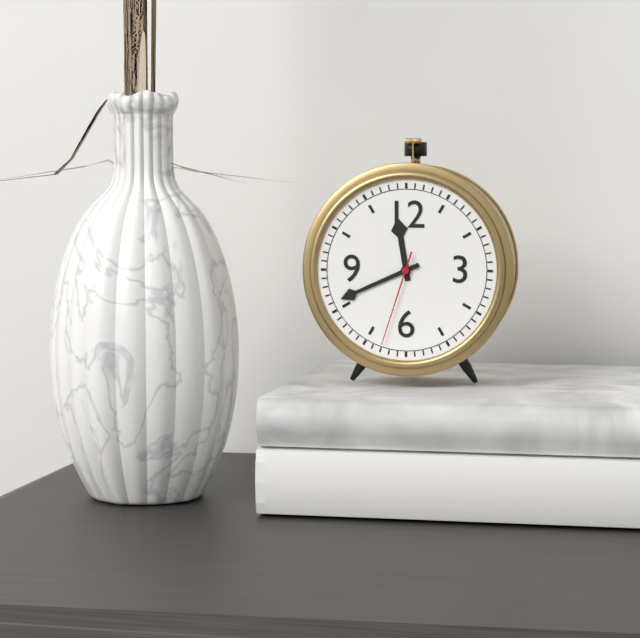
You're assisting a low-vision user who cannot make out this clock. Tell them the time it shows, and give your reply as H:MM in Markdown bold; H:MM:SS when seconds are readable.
**11:41:33**
